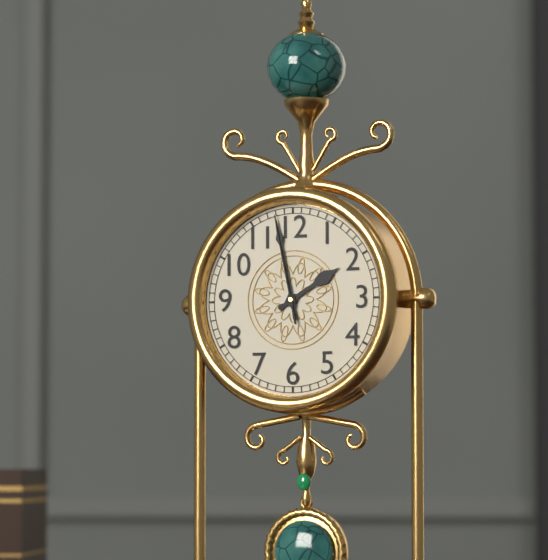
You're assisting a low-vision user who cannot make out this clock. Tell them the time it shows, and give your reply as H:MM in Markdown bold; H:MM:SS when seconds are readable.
**1:58:58**
